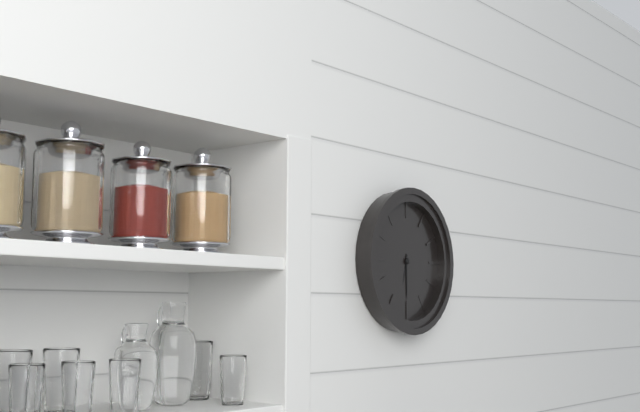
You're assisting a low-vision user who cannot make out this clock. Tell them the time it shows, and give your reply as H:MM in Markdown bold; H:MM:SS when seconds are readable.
**6:30**
